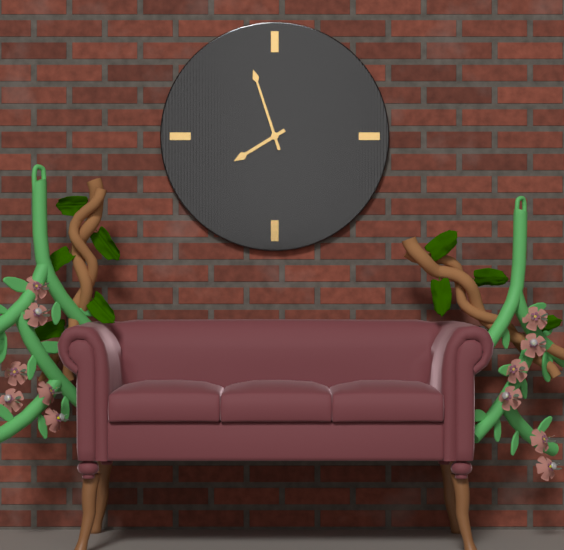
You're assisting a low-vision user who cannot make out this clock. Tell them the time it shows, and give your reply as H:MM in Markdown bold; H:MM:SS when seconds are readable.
**7:57**
